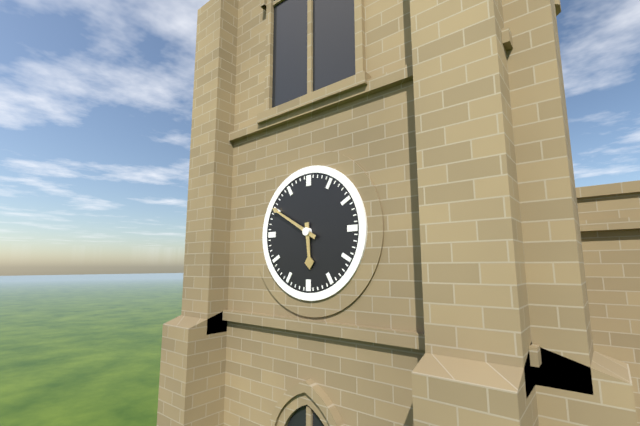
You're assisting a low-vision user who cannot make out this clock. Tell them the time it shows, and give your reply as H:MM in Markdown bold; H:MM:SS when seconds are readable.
**5:50**
